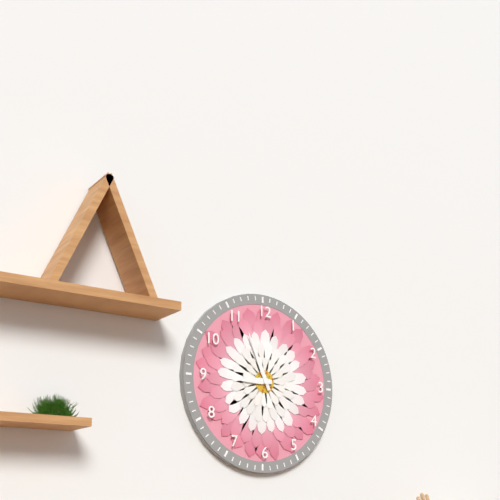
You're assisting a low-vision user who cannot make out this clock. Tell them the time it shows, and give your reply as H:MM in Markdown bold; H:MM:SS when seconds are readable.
**8:56**
